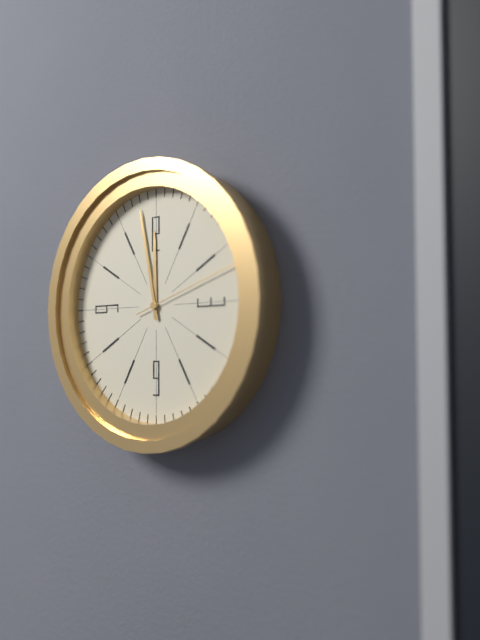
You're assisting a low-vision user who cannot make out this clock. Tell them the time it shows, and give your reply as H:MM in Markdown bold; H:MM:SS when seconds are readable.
**11:58:12**
